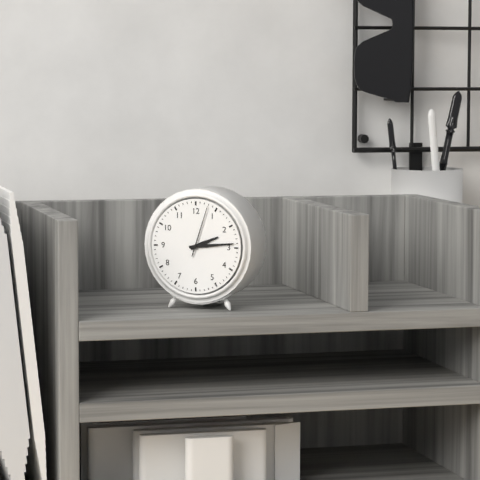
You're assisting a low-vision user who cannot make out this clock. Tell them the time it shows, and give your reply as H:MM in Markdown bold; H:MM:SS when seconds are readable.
**2:14:03**
